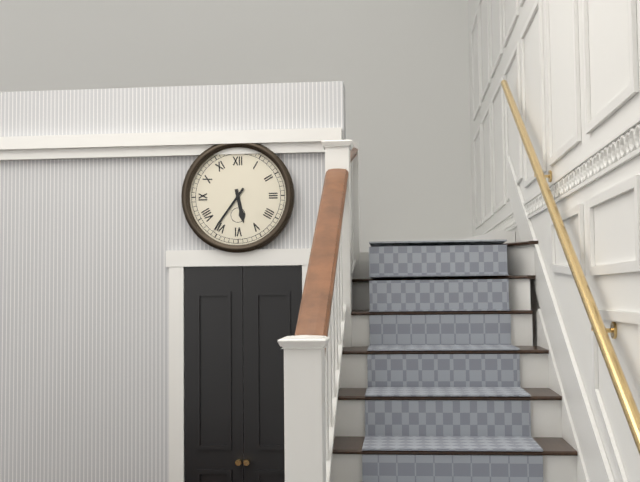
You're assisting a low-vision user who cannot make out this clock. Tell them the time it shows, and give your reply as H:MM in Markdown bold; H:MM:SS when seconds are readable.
**5:36**
